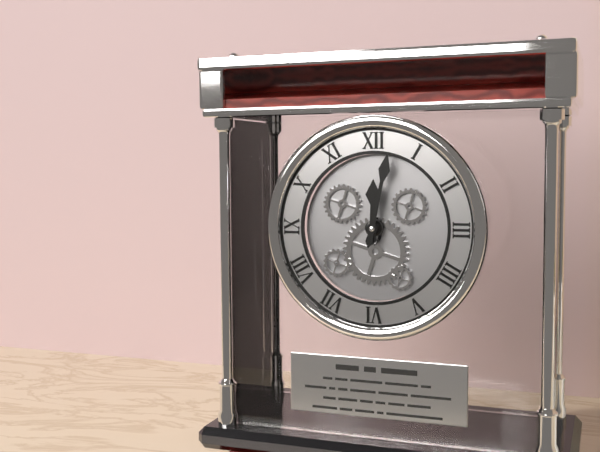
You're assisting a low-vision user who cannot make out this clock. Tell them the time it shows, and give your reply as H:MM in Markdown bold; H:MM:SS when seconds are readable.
**12:02**
